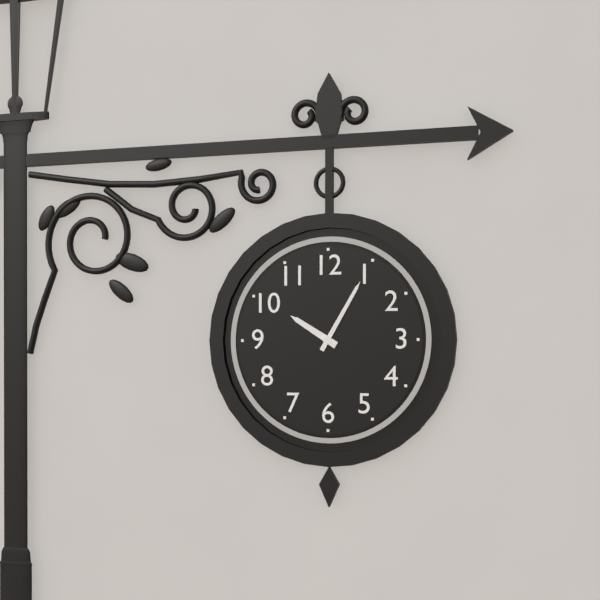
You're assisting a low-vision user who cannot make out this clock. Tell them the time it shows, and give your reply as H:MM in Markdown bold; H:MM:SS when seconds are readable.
**10:05**
